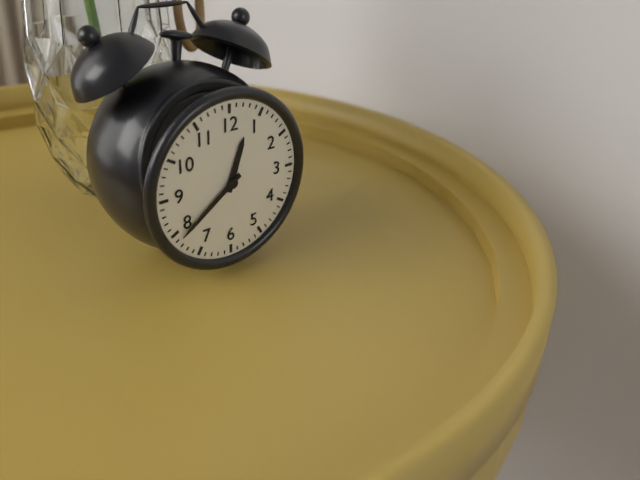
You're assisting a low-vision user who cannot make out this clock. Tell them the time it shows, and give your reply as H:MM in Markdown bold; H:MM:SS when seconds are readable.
**12:39**
